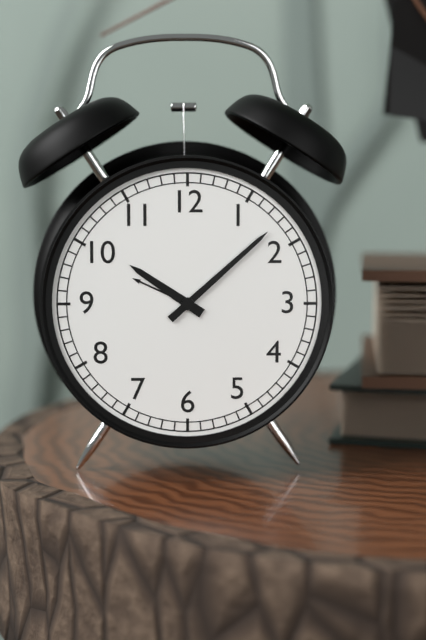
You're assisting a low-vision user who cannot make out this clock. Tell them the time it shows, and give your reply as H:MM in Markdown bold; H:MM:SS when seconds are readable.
**10:08**
